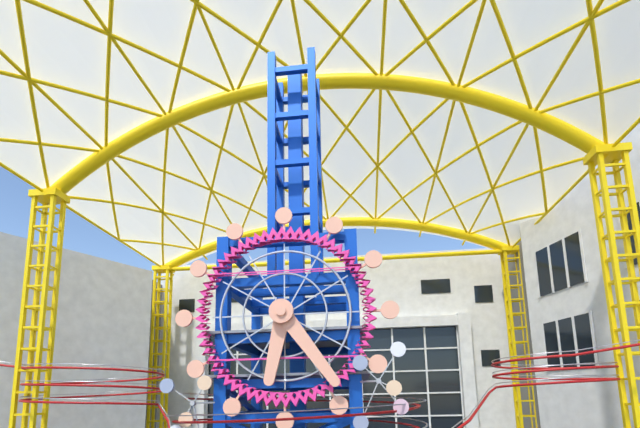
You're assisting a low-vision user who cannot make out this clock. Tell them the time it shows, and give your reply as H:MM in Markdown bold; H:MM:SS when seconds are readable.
**6:24**
